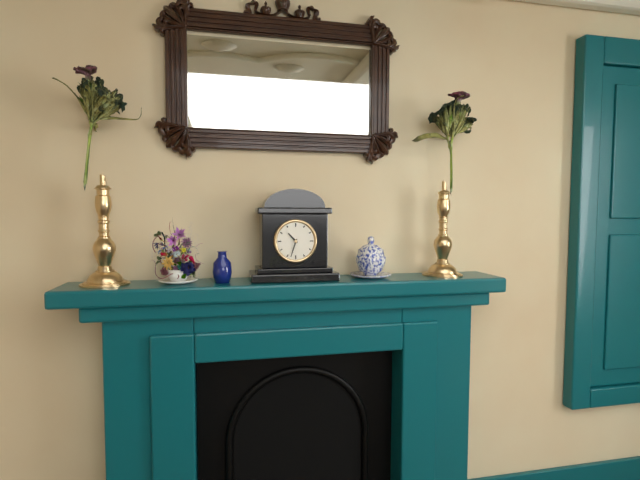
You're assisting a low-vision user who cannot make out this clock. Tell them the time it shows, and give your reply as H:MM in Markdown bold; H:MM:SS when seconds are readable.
**10:33**
